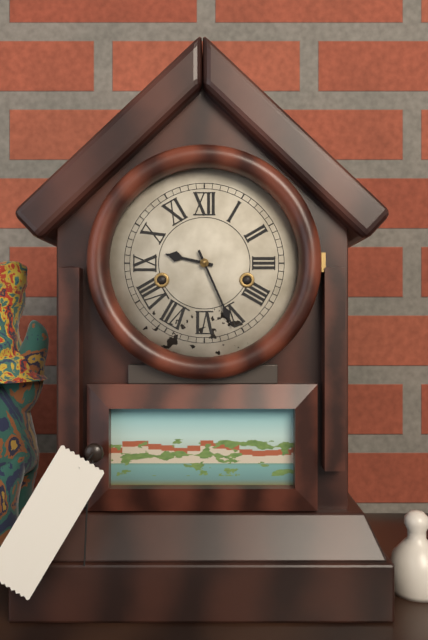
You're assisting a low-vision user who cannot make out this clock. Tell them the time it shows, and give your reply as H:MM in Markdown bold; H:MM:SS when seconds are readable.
**9:26**
